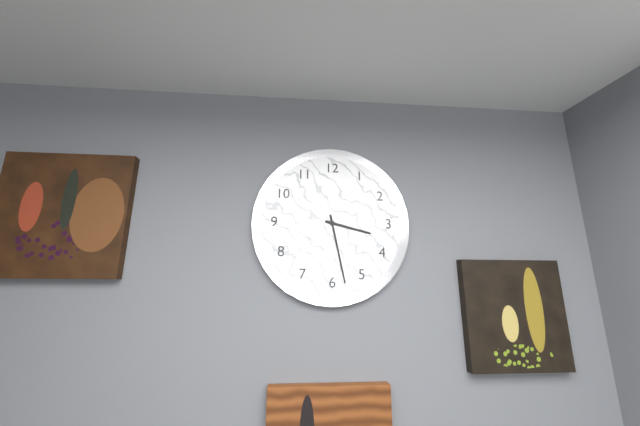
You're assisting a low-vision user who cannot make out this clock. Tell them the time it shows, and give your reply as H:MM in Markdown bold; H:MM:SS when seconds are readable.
**3:28**
